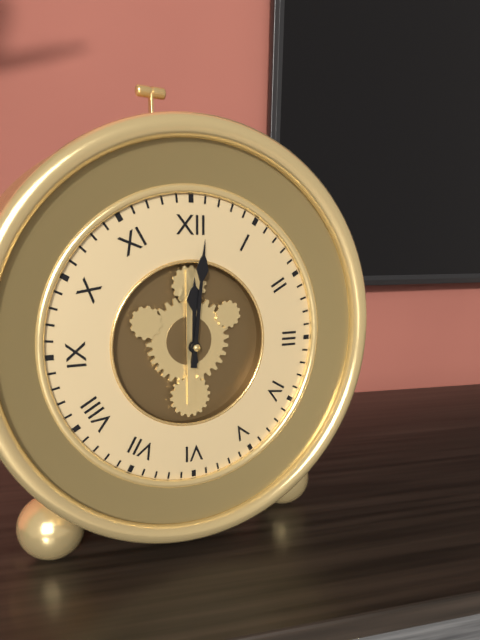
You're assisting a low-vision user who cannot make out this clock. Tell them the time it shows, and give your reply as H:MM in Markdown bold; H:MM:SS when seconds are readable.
**12:01**
